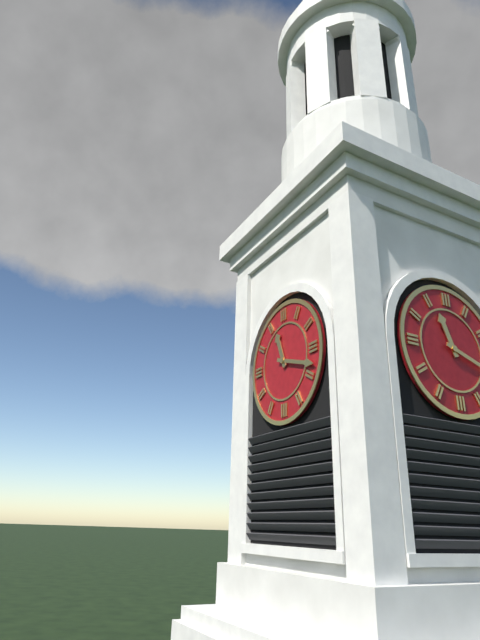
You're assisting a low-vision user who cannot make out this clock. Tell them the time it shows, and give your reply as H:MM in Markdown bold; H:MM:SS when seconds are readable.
**11:18**
